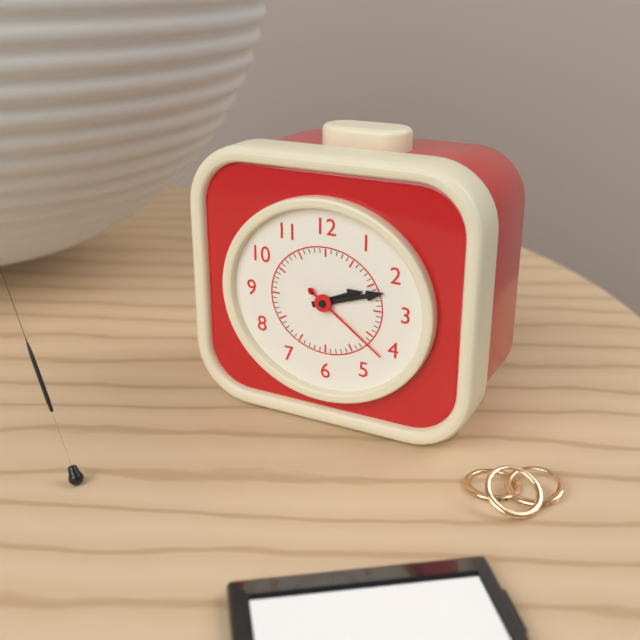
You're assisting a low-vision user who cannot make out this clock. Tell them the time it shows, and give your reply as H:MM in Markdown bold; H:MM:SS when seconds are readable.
**2:12:21**
